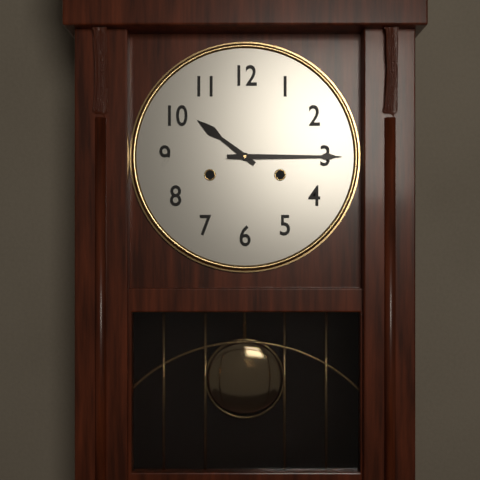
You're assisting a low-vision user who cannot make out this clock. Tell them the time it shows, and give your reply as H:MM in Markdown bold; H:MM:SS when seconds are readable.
**10:15**
